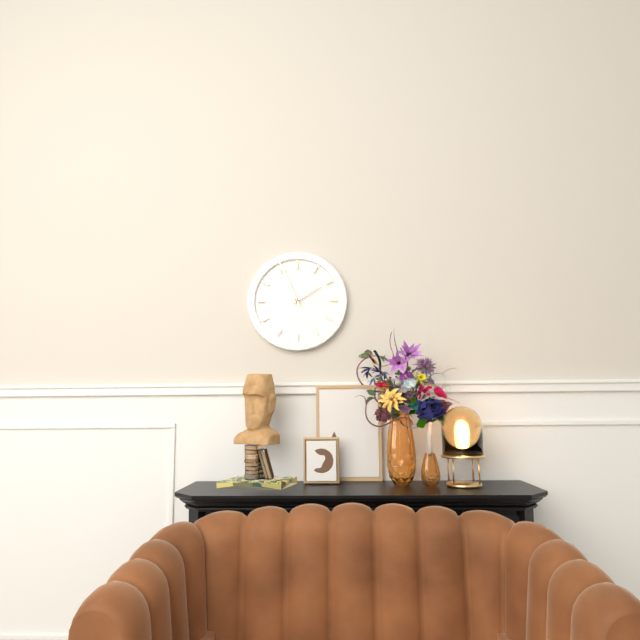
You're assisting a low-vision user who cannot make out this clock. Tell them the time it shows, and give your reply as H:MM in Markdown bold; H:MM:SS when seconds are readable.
**1:56**
